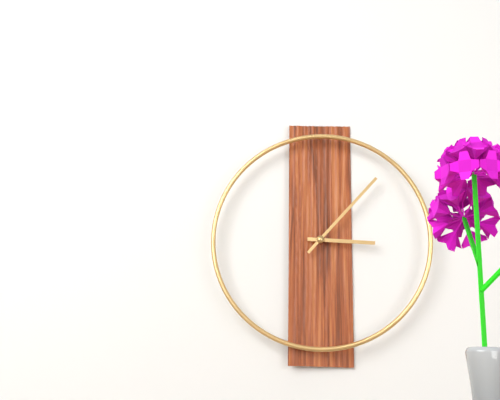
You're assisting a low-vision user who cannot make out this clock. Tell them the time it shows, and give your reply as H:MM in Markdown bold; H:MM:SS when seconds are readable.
**3:07**
